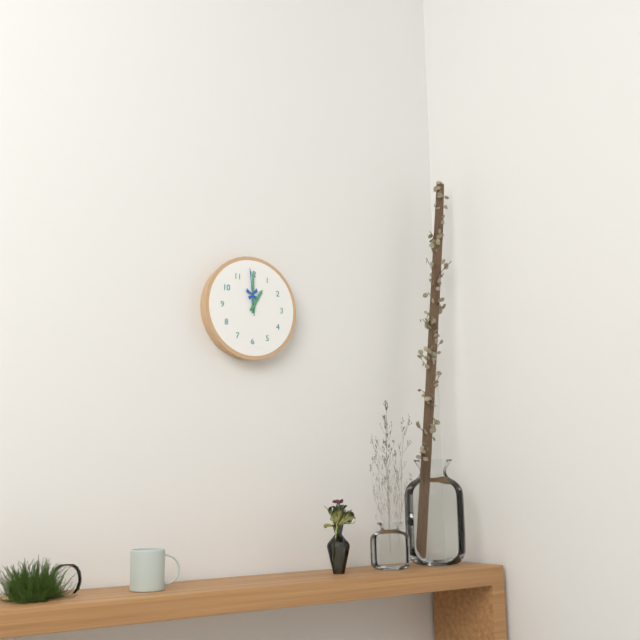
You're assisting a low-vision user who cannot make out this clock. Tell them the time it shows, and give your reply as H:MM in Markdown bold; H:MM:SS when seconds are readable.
**1:00:59**
